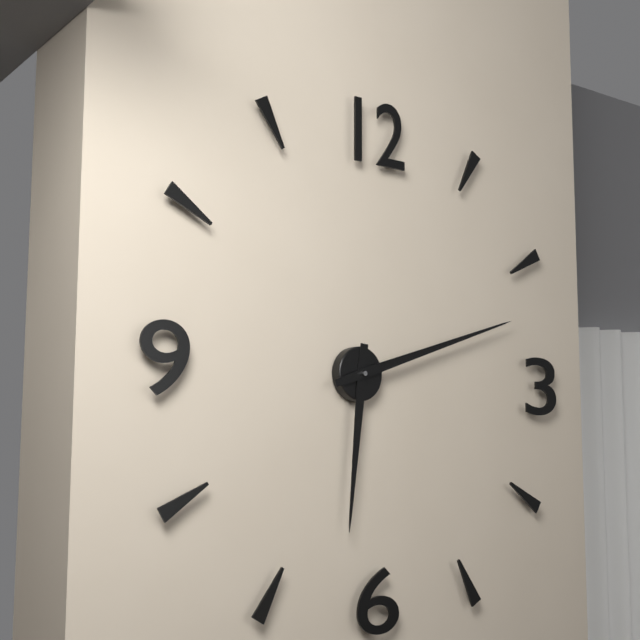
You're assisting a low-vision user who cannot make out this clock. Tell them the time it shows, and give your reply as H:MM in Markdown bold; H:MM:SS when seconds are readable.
**6:12**
